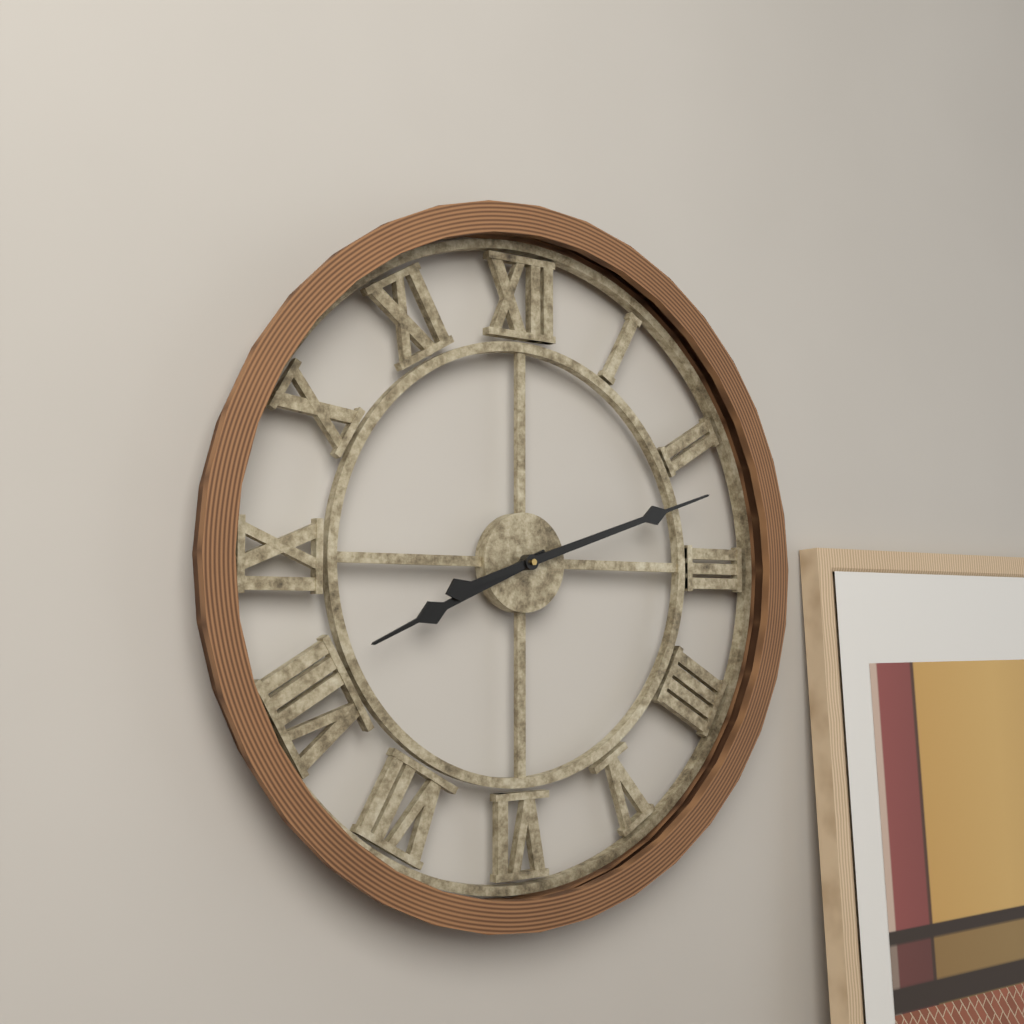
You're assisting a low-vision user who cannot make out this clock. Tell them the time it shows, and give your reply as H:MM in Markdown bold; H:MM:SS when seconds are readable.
**8:12**
